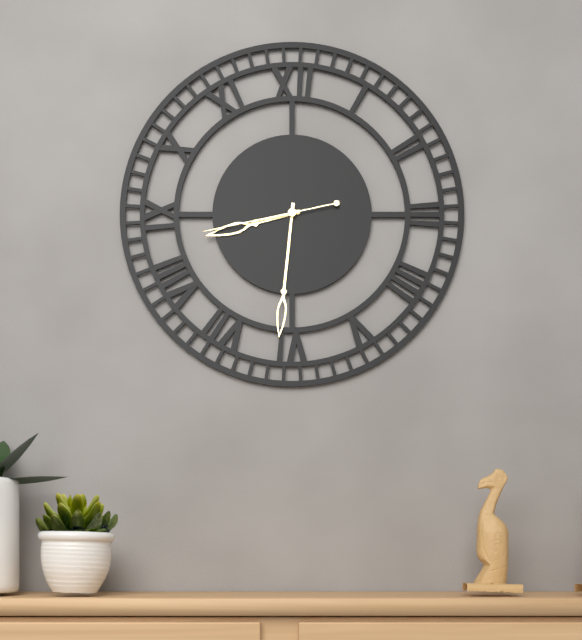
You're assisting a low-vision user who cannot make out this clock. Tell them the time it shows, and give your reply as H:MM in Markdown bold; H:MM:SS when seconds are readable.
**8:31:43**
